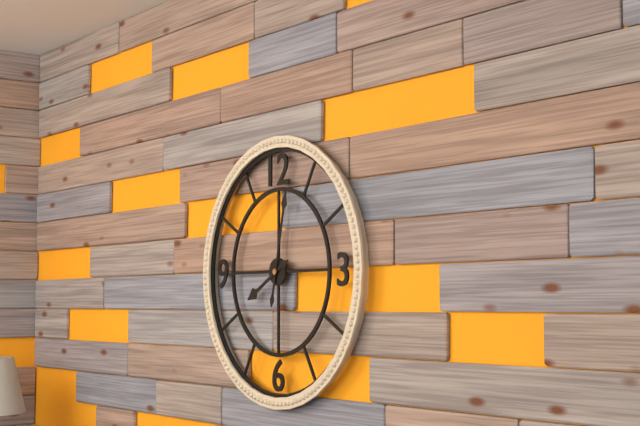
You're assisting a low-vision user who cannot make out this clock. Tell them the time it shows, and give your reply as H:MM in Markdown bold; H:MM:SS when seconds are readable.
**8:02**
